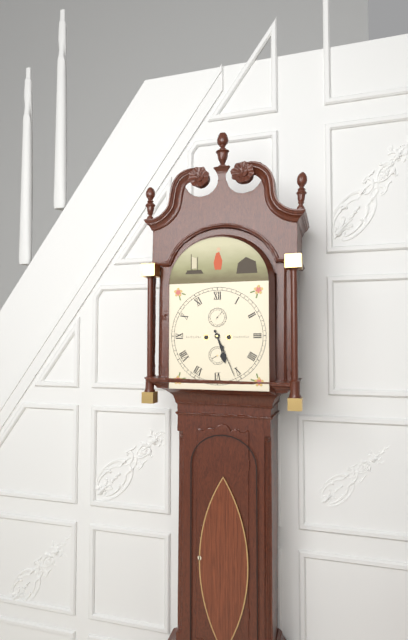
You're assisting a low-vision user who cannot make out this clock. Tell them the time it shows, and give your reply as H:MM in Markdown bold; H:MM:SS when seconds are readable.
**5:26**
